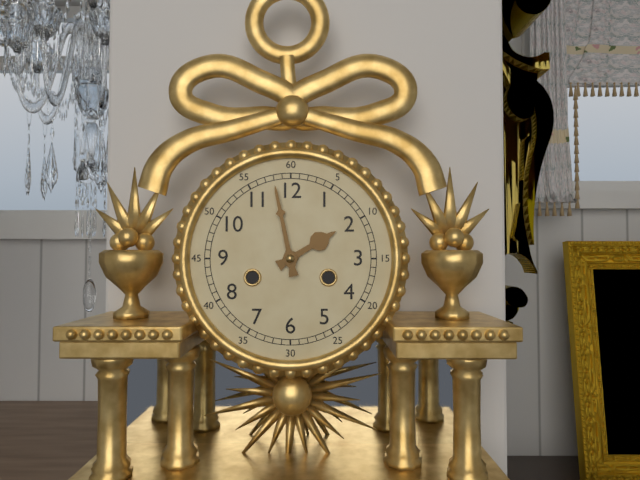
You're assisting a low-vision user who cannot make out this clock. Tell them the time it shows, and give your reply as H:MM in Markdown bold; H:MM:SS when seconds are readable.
**1:58**
